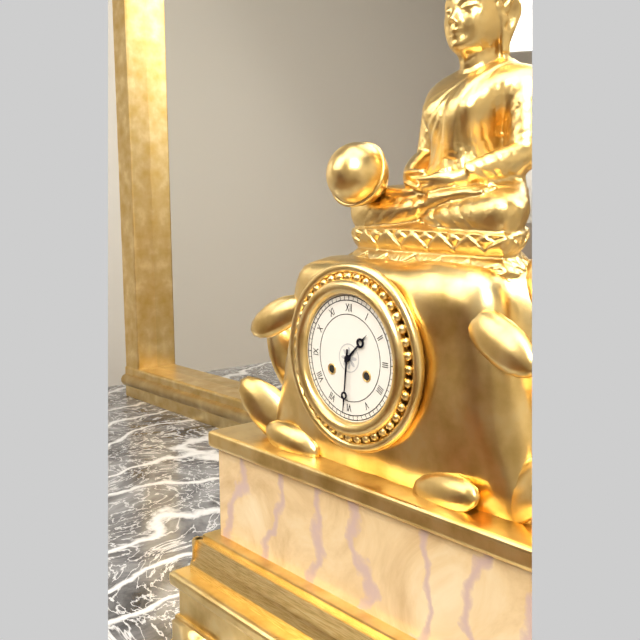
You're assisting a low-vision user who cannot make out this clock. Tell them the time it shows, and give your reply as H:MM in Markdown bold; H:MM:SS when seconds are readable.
**1:31**
